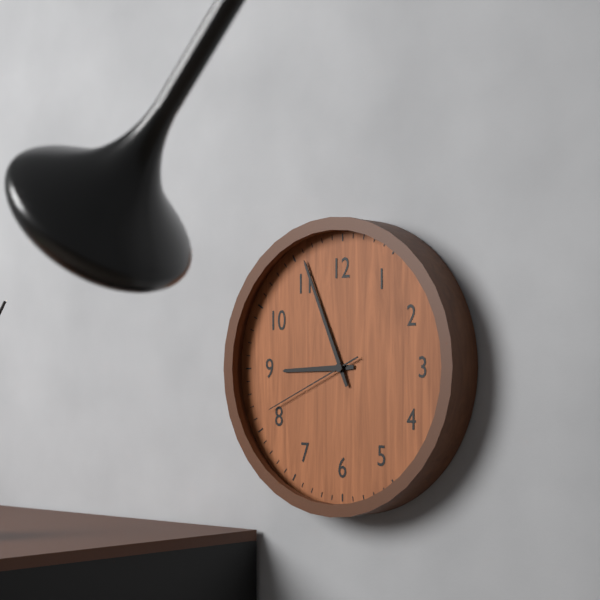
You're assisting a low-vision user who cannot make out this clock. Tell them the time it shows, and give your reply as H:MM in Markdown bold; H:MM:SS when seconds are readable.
**8:56:41**
